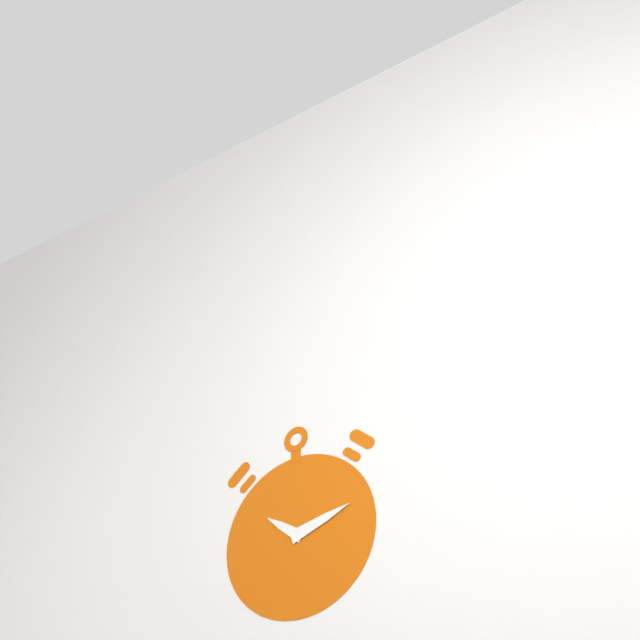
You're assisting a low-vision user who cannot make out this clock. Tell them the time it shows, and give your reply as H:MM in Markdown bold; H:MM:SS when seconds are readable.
**10:12**
